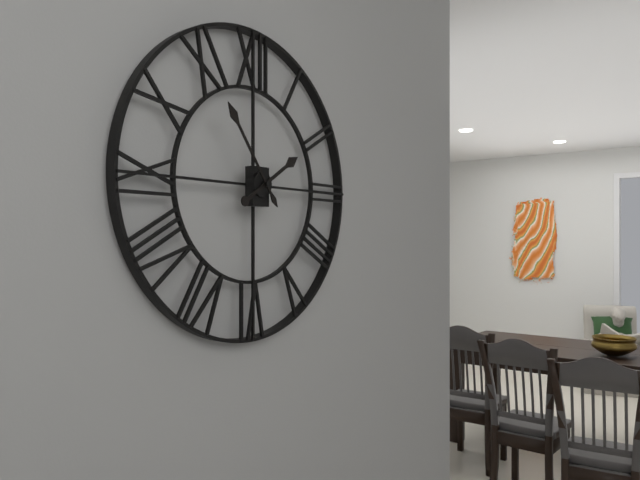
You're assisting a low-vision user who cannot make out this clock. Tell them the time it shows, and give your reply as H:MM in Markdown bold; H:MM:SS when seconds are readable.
**1:54**
